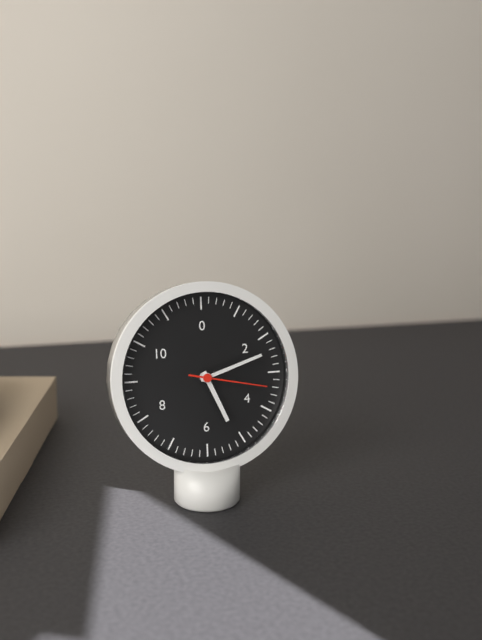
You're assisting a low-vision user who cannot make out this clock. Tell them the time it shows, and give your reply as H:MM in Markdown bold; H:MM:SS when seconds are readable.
**5:12:17**
